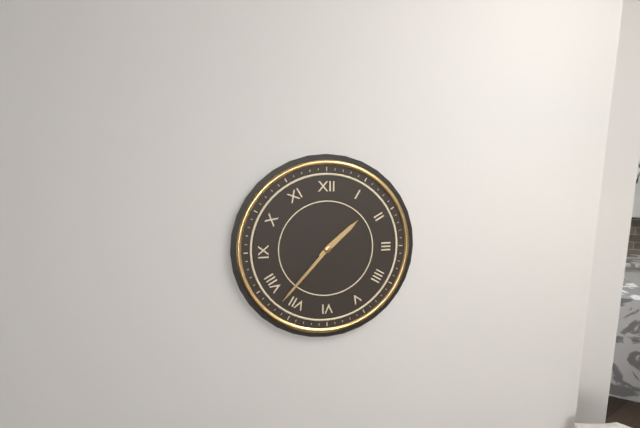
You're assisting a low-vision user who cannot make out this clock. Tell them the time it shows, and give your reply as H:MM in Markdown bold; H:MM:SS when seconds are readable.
**1:37**
